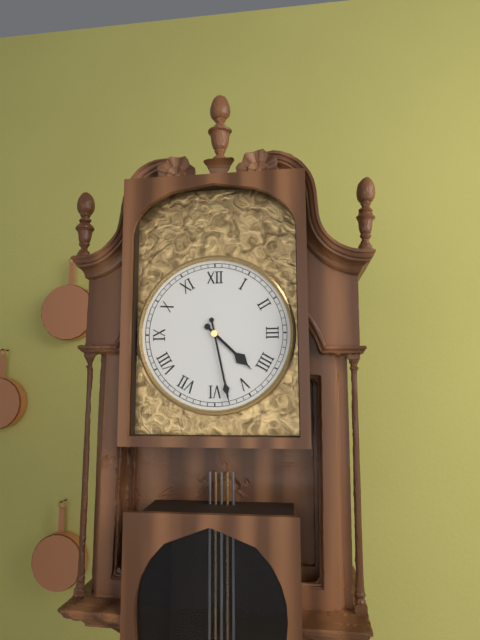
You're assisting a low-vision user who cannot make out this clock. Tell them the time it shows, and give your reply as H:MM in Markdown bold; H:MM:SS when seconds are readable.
**4:28**
